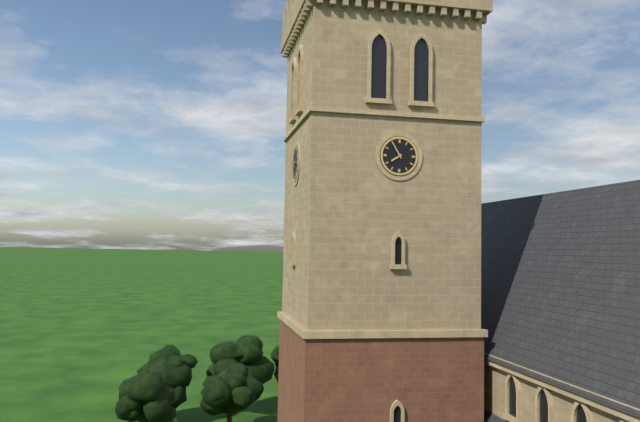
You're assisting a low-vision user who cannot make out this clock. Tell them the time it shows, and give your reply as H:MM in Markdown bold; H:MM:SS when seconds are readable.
**7:55**
